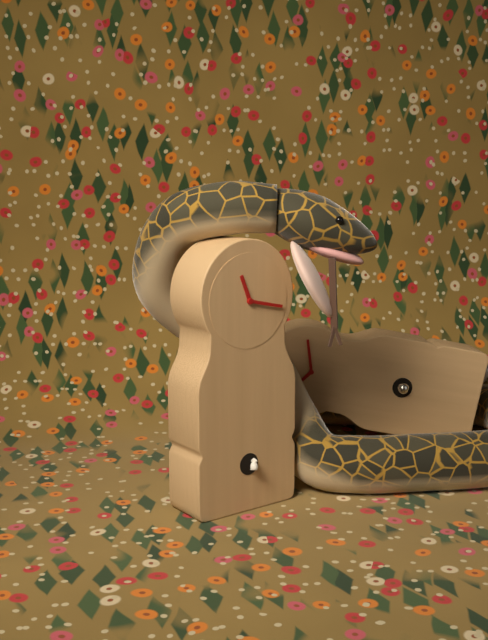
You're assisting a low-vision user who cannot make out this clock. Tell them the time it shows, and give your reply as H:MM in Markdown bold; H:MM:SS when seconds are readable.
**11:17**
